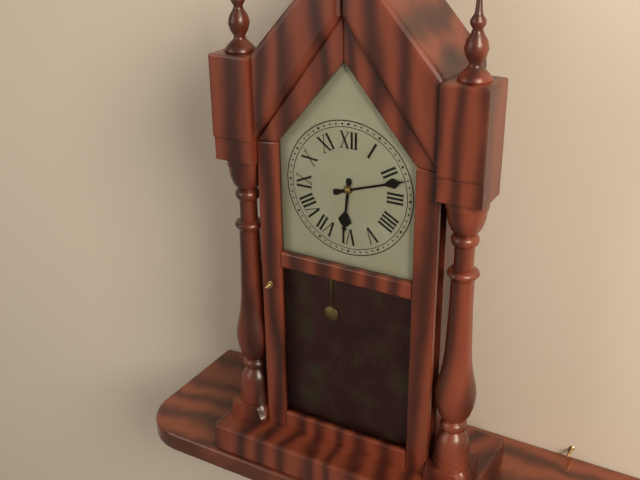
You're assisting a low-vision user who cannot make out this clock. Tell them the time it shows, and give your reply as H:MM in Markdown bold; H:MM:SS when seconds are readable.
**6:12**
